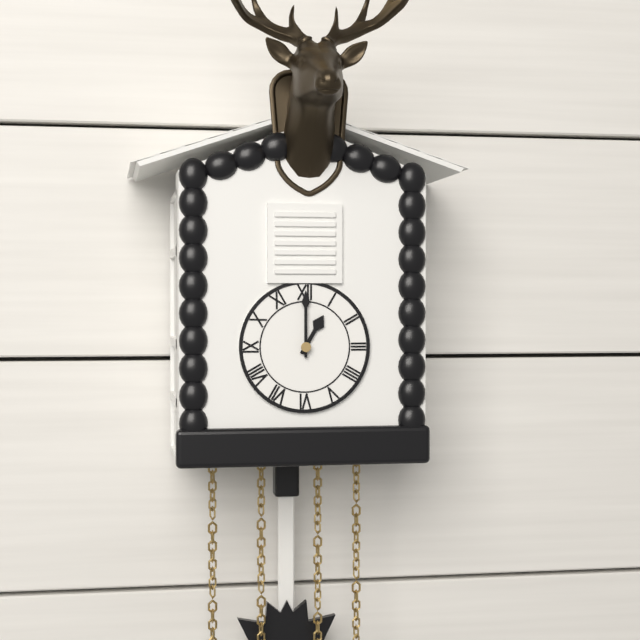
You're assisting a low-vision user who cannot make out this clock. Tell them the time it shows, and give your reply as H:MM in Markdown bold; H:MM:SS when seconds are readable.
**1:00**
